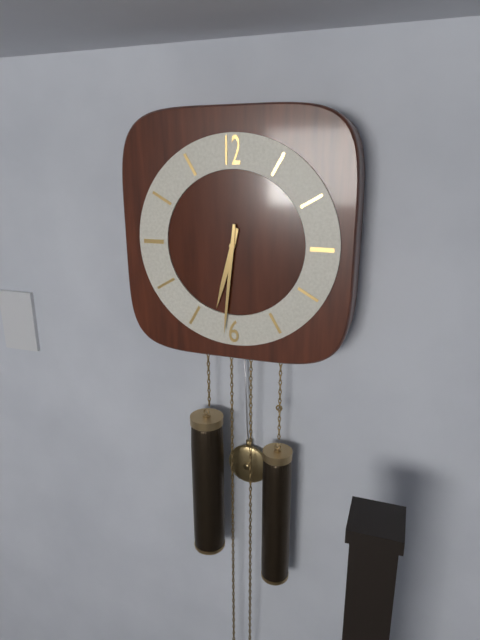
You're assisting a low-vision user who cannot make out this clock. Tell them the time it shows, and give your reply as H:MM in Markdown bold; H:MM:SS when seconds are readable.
**6:31**
